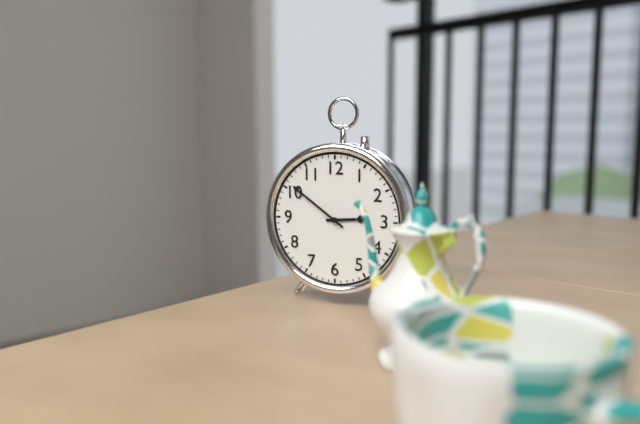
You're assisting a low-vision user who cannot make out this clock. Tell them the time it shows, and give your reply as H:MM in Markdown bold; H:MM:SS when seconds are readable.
**2:51**
